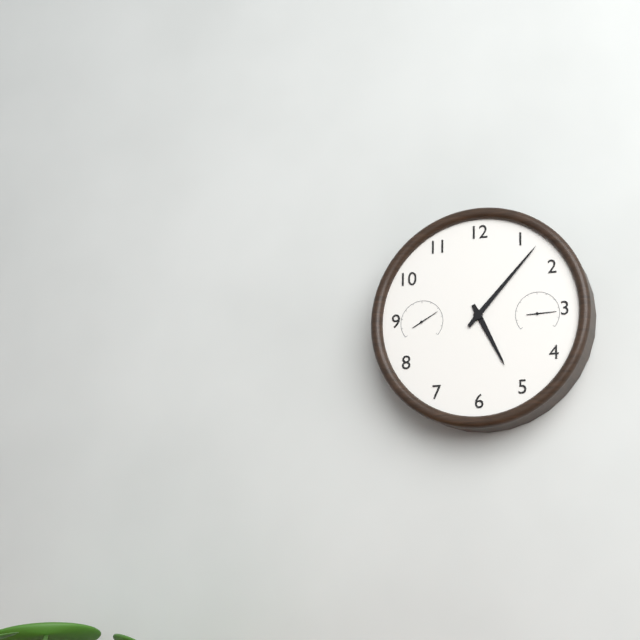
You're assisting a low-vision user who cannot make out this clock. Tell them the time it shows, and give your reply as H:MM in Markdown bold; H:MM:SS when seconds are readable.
**5:07**
